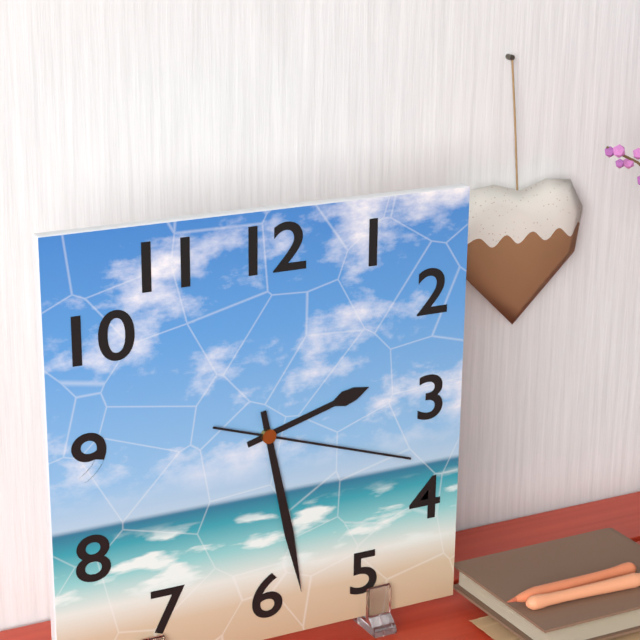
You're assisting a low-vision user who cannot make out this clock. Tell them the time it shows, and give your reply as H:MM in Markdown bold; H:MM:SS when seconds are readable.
**2:28:18**
